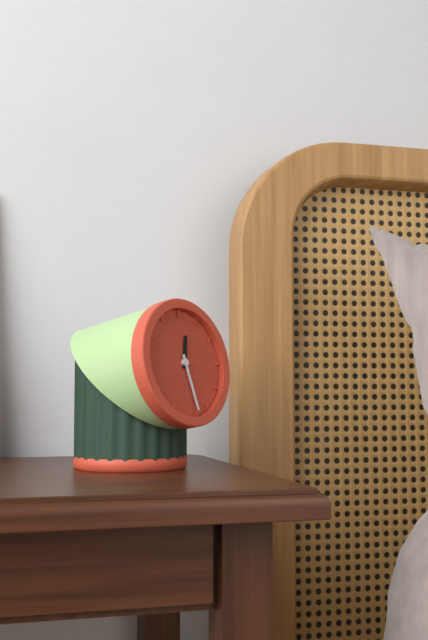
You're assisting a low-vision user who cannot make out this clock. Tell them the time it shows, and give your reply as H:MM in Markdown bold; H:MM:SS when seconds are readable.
**12:28**
